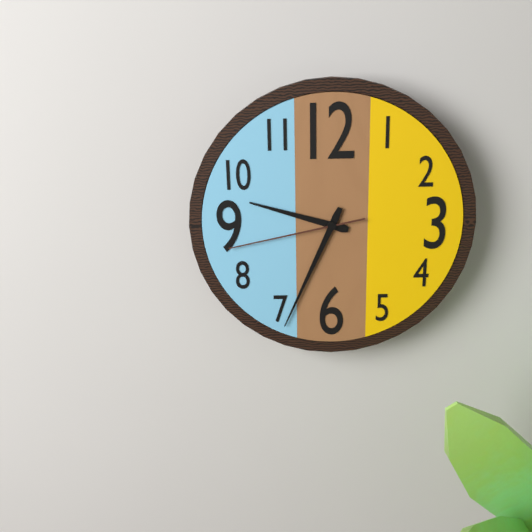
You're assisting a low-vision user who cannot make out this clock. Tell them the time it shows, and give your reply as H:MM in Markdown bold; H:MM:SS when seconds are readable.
**9:34:43**
